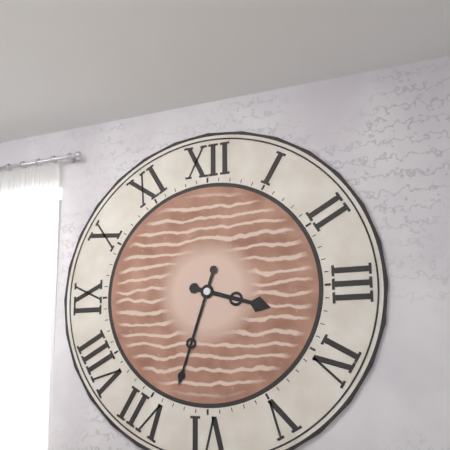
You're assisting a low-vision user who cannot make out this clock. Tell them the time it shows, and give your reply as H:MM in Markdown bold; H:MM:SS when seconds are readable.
**3:33**
